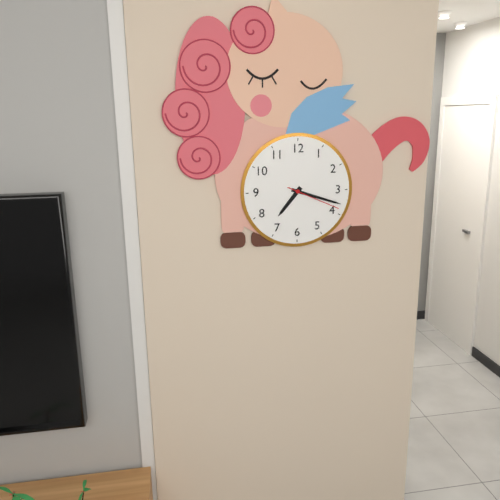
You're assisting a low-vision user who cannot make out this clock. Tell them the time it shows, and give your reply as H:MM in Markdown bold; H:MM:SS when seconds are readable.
**7:18:19**
